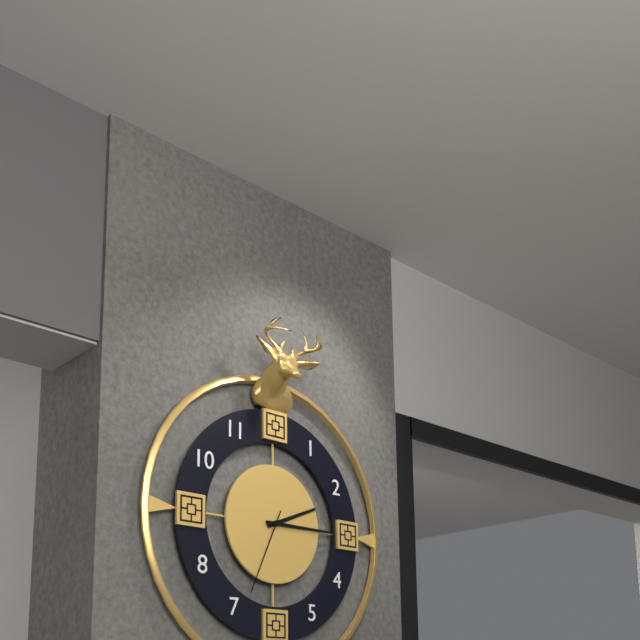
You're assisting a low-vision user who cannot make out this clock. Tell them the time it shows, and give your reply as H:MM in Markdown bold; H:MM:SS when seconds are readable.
**2:15:34**
